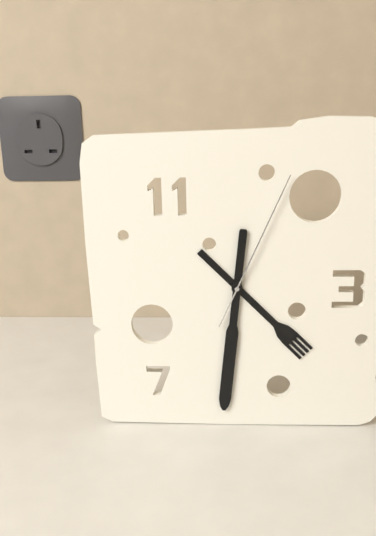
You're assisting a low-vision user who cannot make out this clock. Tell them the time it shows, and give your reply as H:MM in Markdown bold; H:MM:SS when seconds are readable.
**4:31:04**
